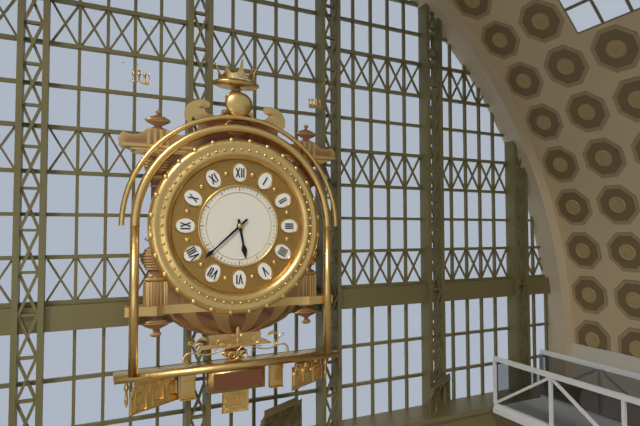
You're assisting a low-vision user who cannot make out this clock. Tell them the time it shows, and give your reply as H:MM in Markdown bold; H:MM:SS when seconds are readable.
**5:38**
